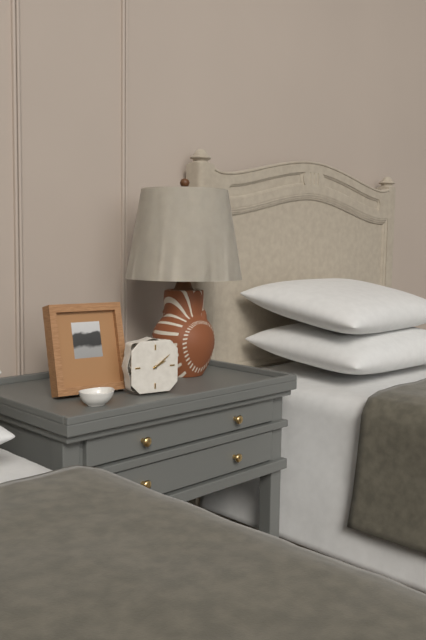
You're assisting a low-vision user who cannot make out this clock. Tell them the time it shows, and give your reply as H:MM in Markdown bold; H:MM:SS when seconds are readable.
**2:09**
